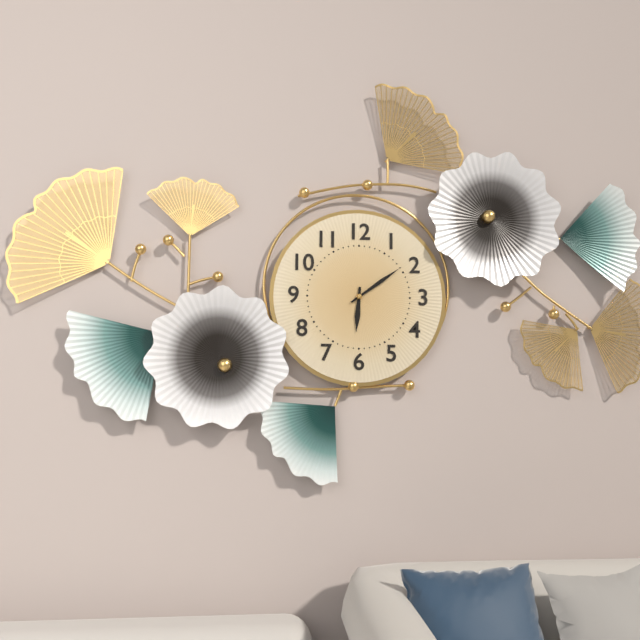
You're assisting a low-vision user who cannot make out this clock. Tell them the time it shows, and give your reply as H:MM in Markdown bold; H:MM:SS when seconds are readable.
**6:09**
